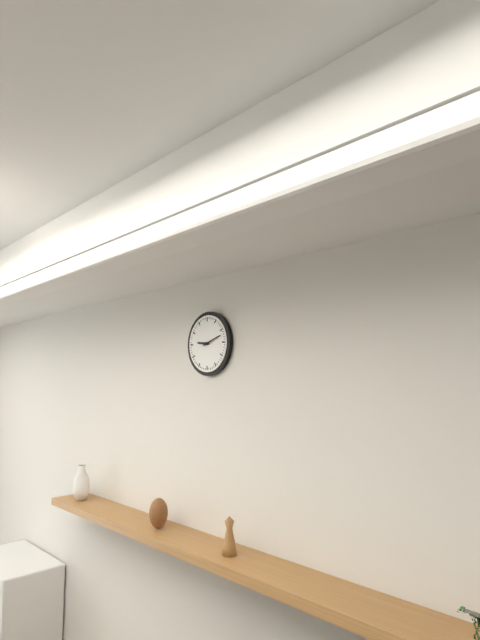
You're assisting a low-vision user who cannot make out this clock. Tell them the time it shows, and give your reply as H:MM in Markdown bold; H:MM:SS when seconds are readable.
**9:12**
